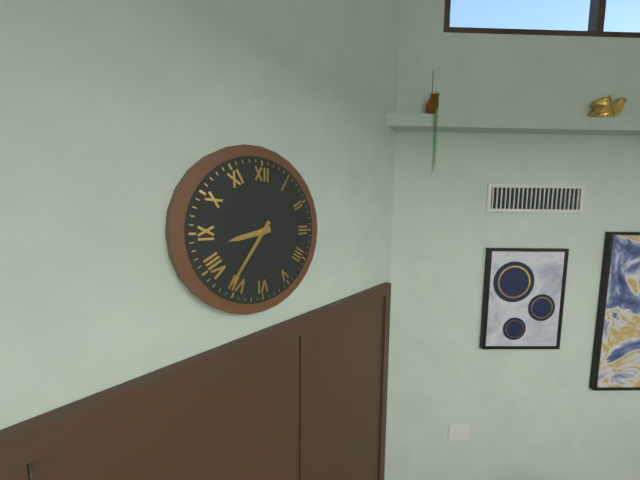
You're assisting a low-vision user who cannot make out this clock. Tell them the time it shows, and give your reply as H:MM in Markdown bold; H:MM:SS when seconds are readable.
**8:36**
